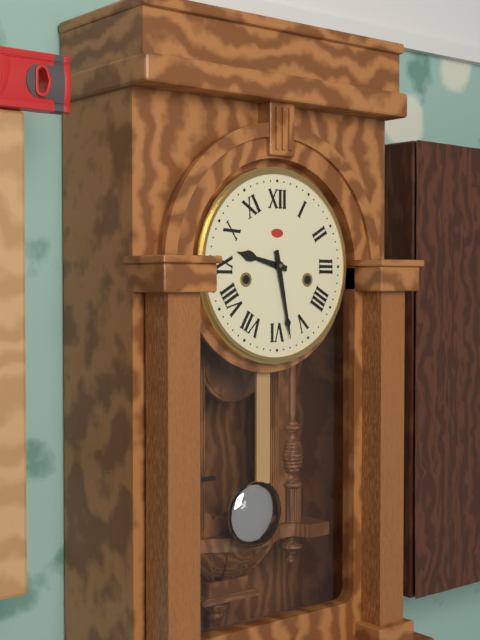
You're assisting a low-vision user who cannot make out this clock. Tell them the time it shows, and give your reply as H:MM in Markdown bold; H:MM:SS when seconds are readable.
**9:28**
